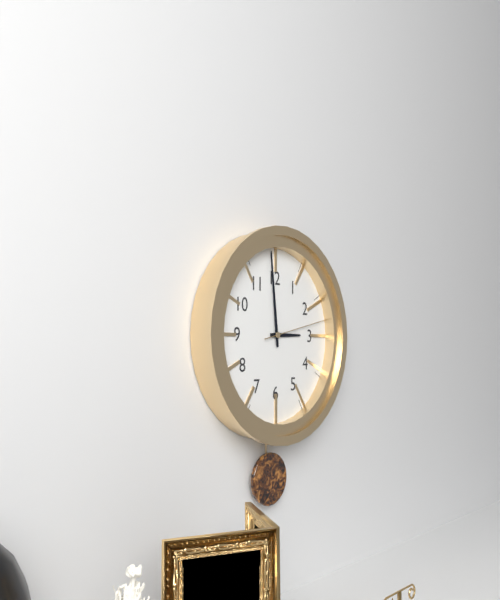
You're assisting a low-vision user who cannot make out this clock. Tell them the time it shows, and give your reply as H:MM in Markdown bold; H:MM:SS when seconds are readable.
**2:59:13**
